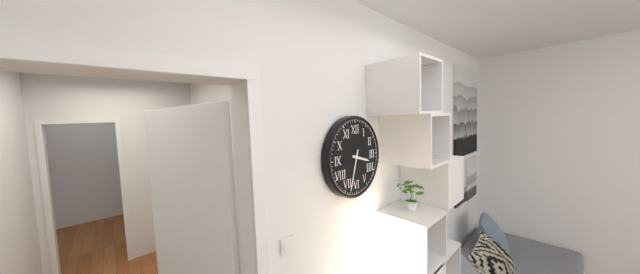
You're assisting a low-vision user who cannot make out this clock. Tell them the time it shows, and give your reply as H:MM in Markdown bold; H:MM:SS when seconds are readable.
**3:33**
